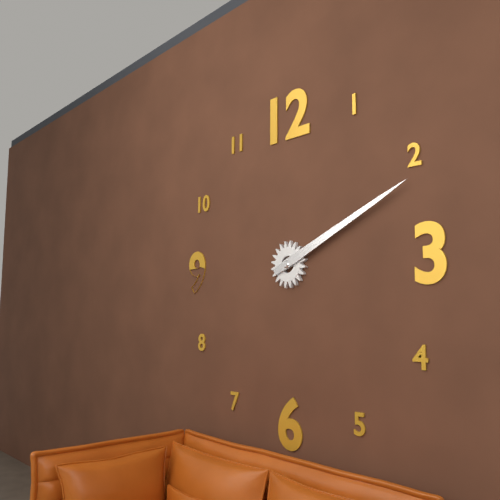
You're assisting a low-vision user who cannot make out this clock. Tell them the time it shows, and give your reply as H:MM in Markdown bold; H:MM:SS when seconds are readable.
**2:11**
